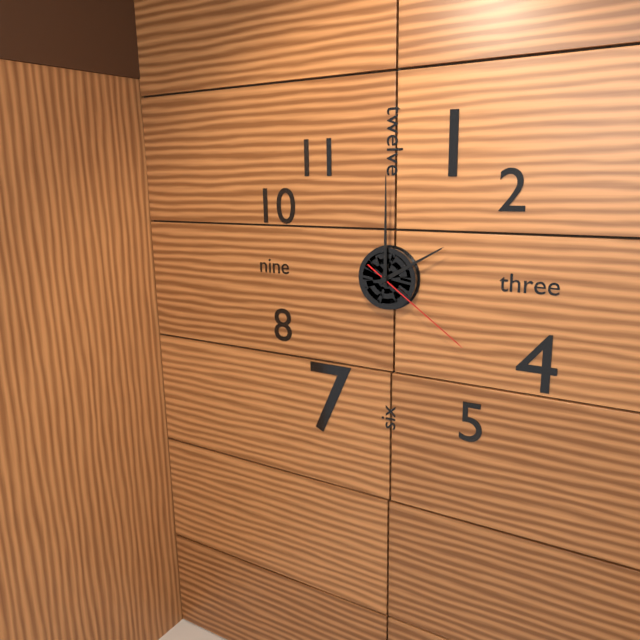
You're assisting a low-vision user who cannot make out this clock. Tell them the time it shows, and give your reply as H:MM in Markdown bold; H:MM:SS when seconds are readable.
**2:00:21**
